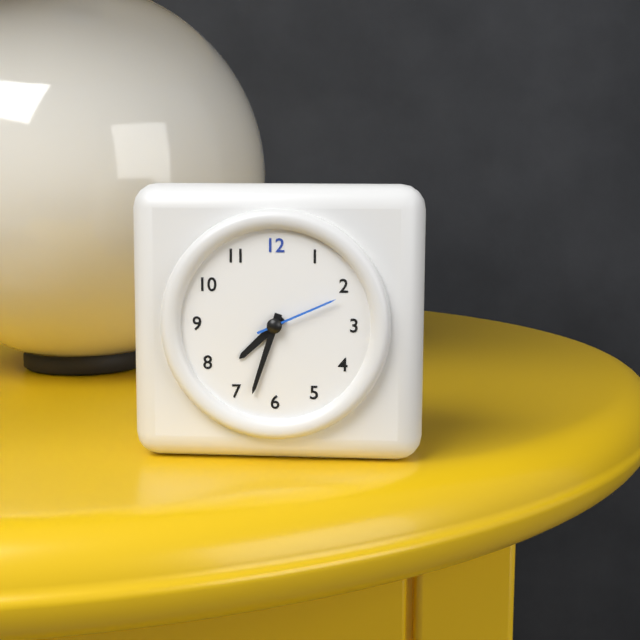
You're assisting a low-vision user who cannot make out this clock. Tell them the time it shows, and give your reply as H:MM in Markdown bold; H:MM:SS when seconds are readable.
**7:33:11**
